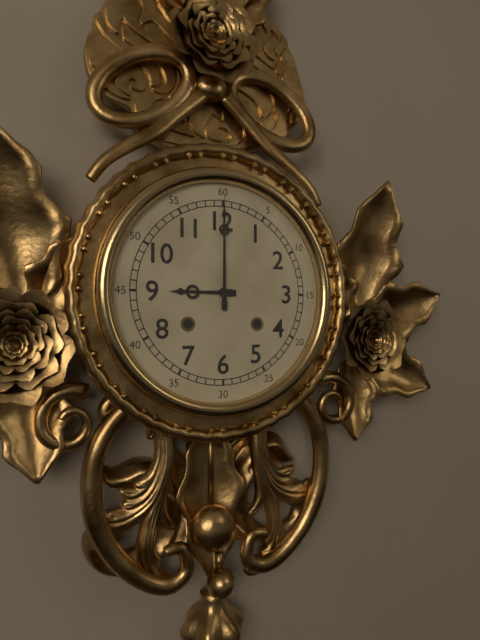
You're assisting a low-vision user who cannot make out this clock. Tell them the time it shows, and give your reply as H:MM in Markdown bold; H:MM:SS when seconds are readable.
**9:00**
